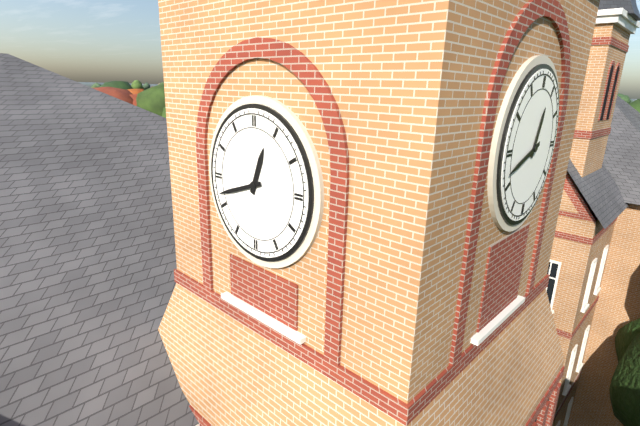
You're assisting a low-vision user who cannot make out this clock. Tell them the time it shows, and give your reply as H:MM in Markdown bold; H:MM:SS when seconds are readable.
**12:42**
